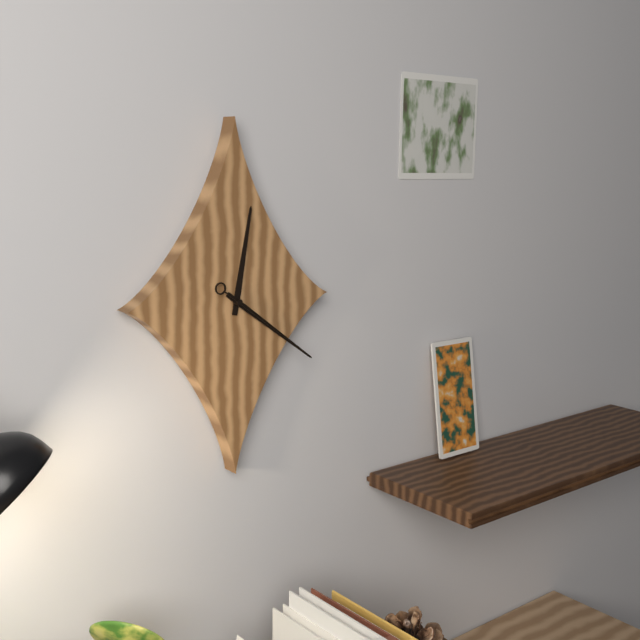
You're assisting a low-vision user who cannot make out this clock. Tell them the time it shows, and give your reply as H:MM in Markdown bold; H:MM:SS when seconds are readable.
**12:21:21**
